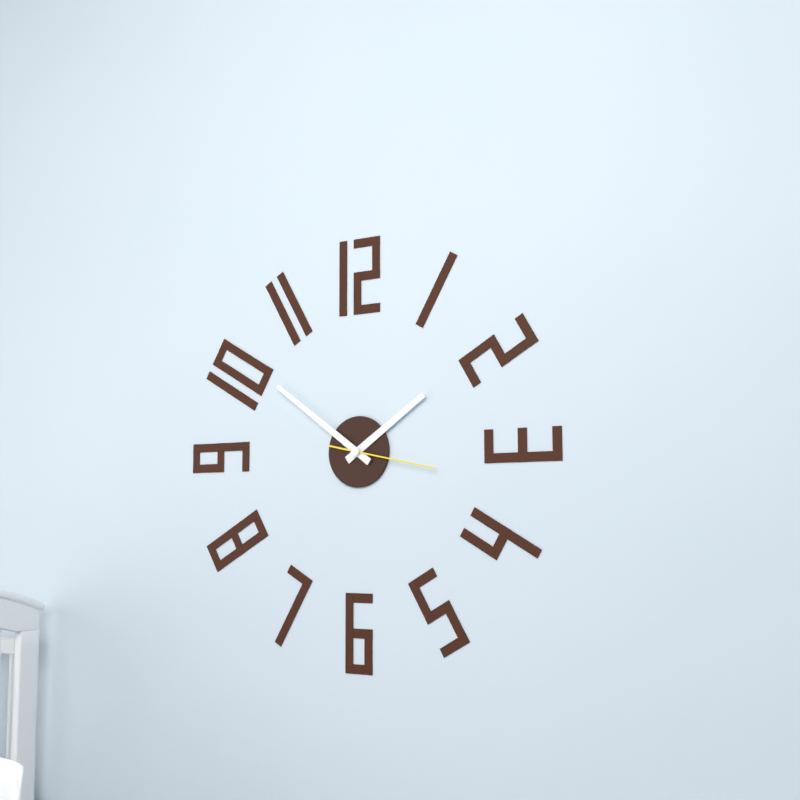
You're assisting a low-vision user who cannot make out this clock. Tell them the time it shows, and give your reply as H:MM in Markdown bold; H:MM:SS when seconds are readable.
**1:51:17**
